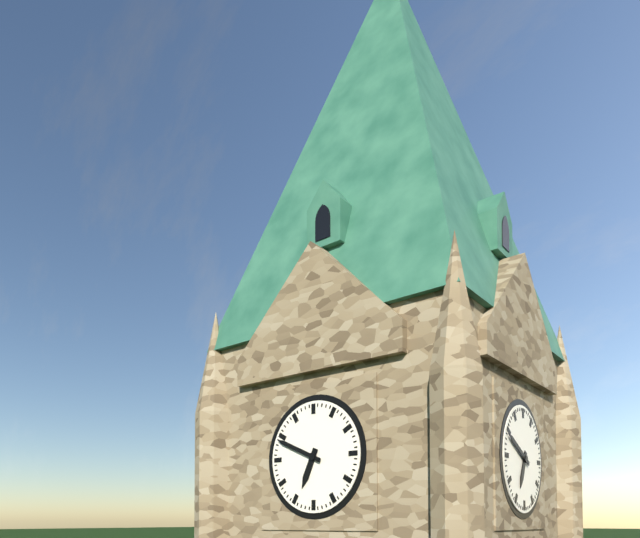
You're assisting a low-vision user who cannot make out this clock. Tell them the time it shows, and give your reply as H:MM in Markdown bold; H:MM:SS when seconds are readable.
**6:49**
